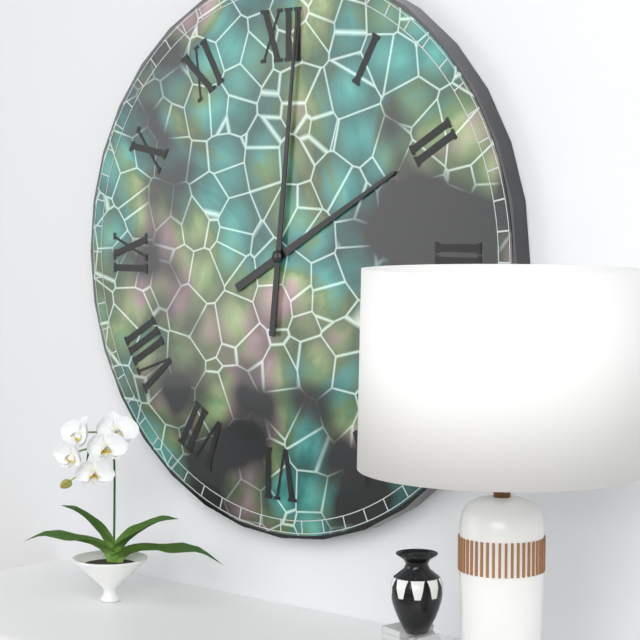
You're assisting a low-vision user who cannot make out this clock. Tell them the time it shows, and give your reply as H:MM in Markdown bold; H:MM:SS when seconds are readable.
**2:01**
